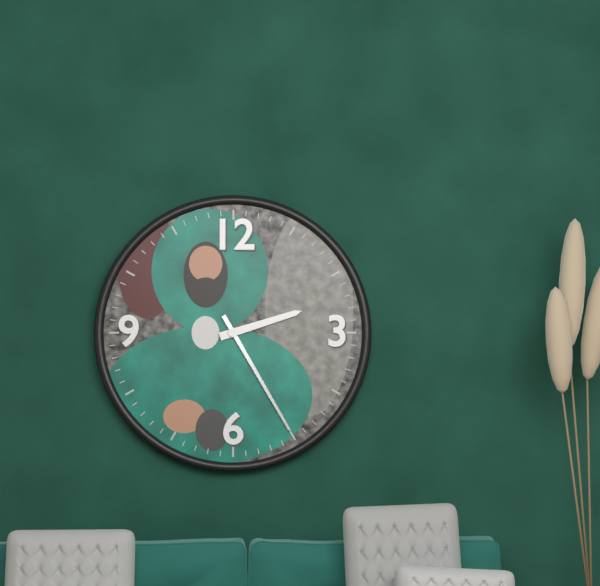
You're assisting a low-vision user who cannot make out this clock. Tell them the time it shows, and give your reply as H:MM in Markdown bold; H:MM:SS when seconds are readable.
**2:25**
